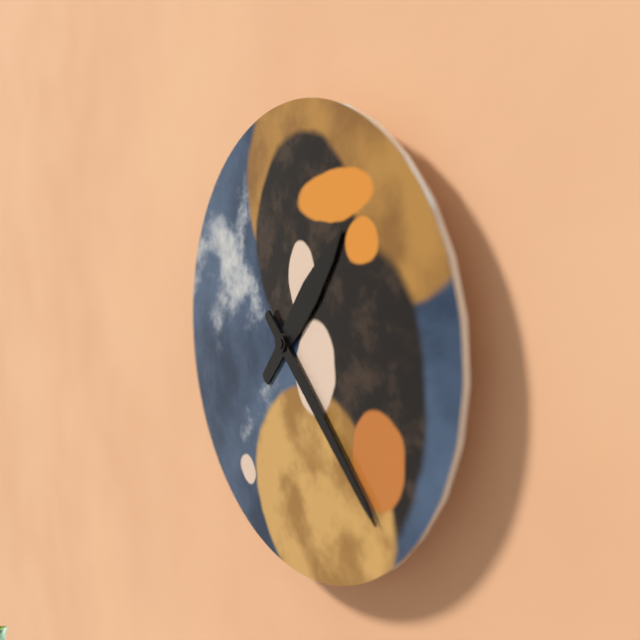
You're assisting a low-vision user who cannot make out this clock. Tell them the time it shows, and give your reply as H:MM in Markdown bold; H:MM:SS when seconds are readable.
**1:22**
